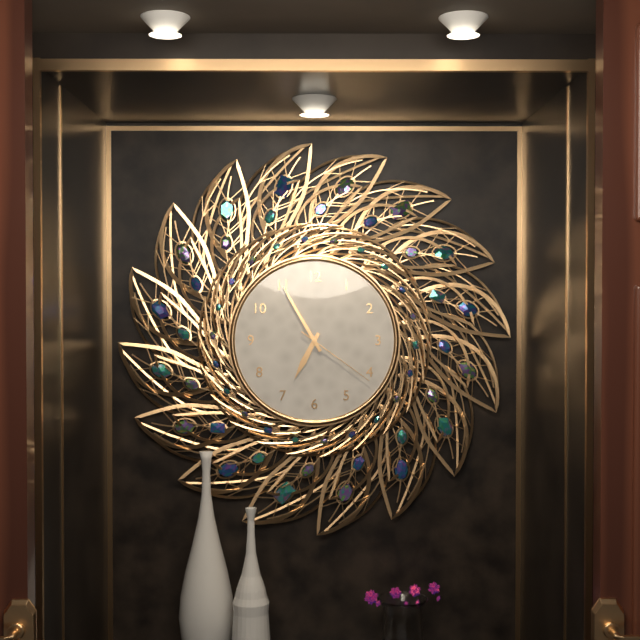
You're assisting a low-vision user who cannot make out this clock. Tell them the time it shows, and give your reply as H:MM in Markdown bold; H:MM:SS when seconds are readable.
**6:55:21**
